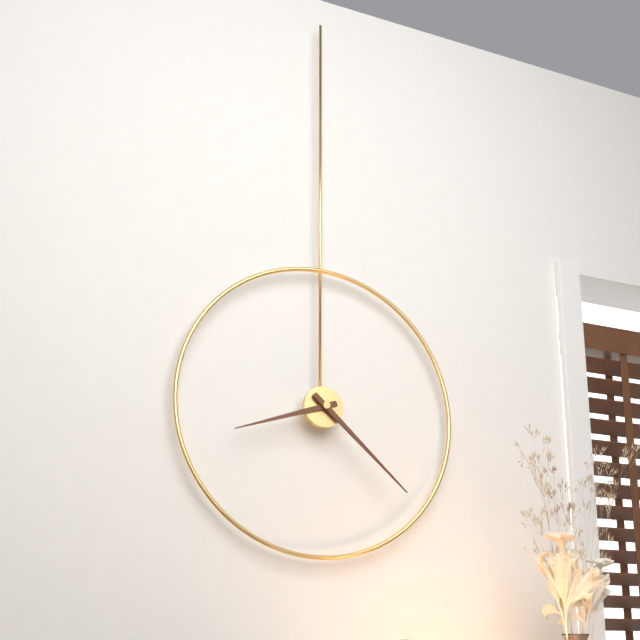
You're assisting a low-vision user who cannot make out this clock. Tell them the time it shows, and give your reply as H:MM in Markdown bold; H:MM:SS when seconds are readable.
**8:22**
